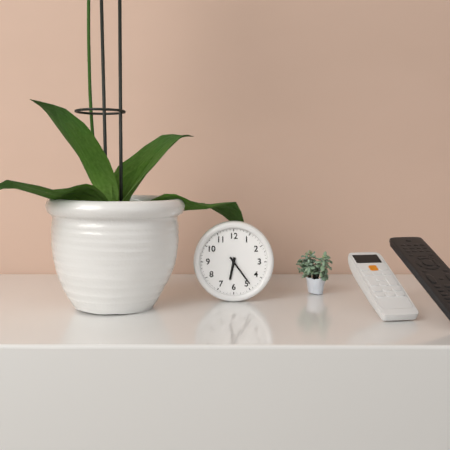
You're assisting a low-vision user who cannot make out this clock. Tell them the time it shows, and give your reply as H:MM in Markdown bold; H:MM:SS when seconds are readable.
**6:24**
